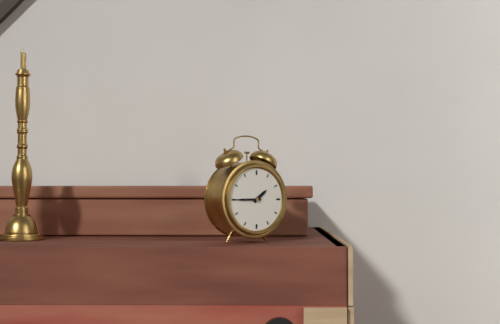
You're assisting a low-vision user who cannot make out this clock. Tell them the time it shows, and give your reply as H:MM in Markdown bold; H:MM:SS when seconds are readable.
**1:45**
